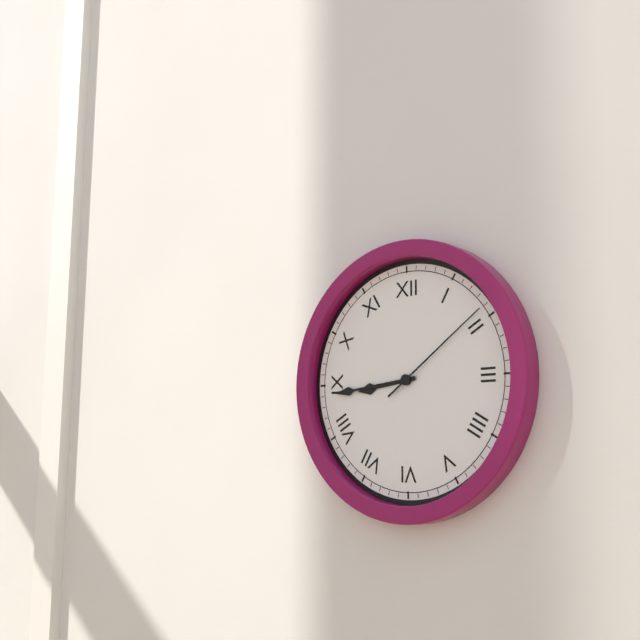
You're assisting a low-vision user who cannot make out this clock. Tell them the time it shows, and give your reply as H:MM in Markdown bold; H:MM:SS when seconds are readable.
**8:44:09**
